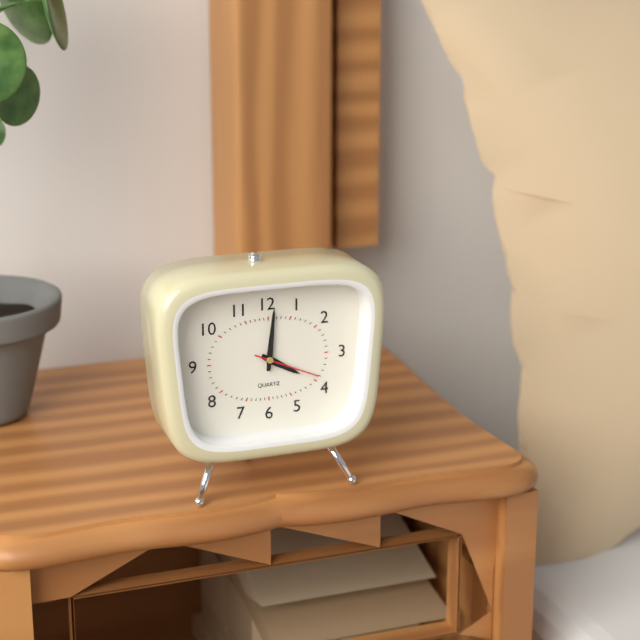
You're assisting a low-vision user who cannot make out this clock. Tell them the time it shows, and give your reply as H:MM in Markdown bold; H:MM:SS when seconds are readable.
**4:01:19**
